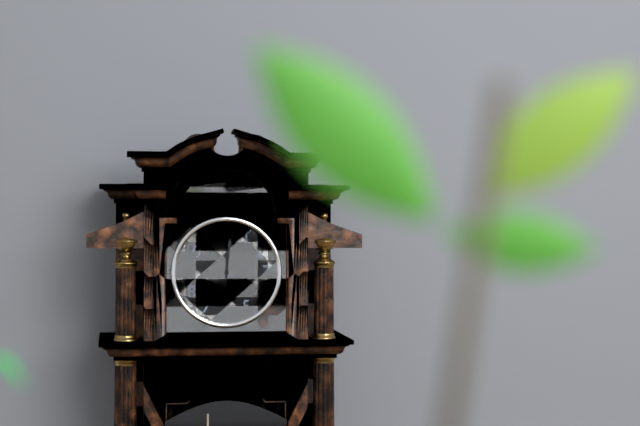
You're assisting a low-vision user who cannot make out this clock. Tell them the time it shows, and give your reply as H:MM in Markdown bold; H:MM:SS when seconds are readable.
**12:01**
